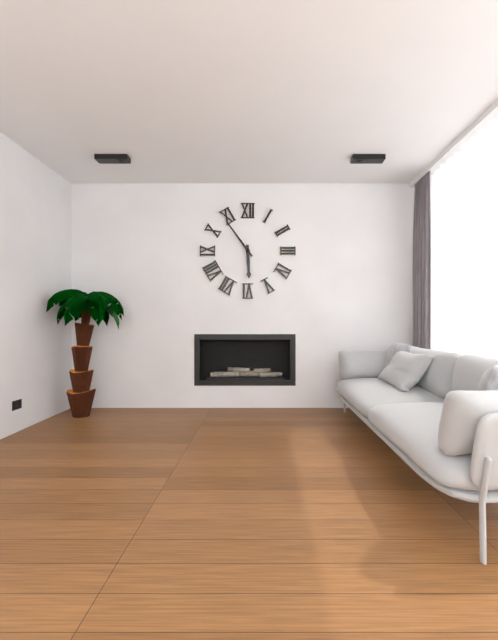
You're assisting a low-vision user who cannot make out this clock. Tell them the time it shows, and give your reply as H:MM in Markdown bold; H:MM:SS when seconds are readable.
**5:54**
